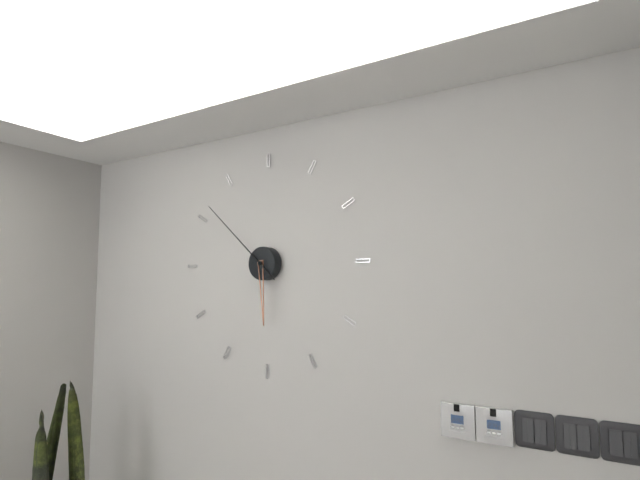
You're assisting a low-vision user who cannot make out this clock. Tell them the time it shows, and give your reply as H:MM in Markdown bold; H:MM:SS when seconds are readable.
**5:52**
